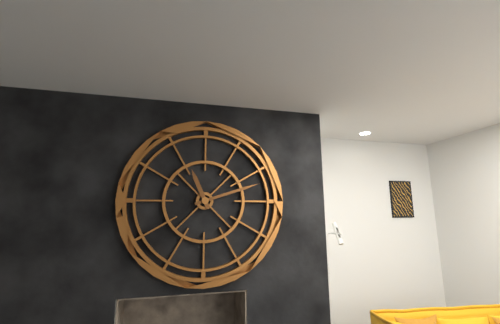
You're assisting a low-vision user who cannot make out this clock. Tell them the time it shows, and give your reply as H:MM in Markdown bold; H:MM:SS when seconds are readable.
**11:12**
